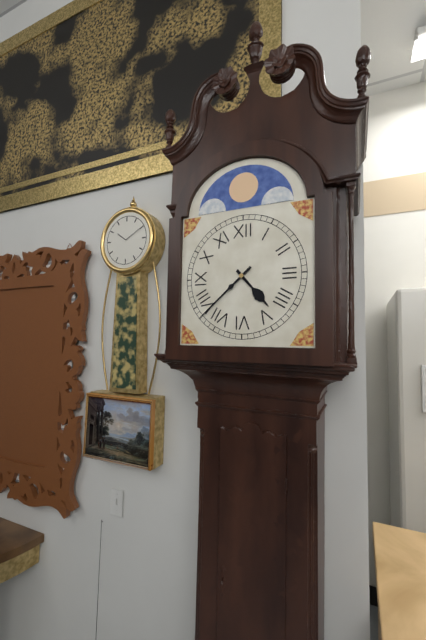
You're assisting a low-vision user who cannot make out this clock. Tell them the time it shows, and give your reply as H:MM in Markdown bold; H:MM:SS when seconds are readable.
**4:38**
